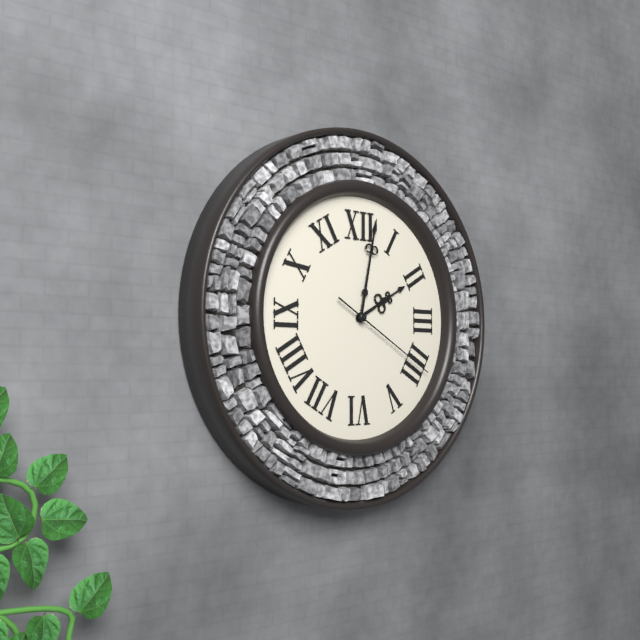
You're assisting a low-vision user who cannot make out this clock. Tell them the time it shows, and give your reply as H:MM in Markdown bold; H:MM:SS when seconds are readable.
**2:02:20**
